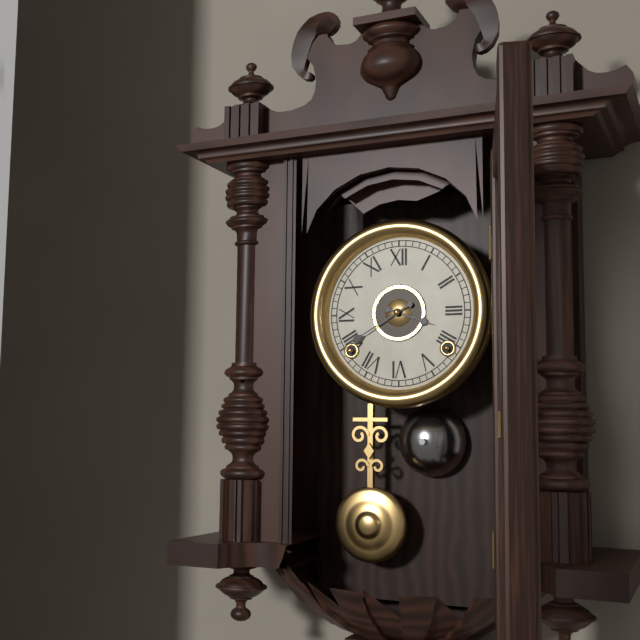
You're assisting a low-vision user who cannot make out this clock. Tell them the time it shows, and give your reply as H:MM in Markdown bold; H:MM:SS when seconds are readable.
**3:40**
